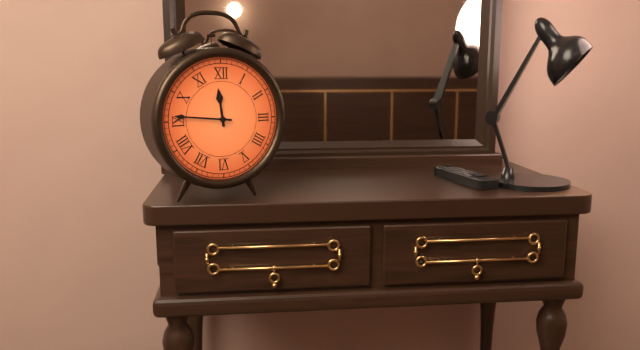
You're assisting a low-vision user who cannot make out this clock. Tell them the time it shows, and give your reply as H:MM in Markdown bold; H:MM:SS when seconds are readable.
**11:46**
